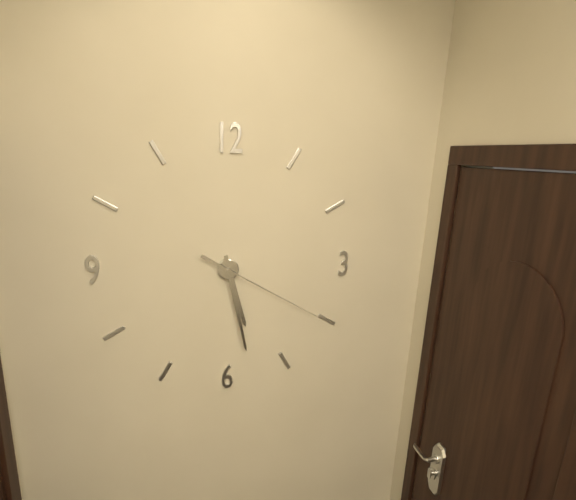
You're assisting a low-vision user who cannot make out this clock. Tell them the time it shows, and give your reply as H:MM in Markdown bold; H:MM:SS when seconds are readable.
**5:28:20**
